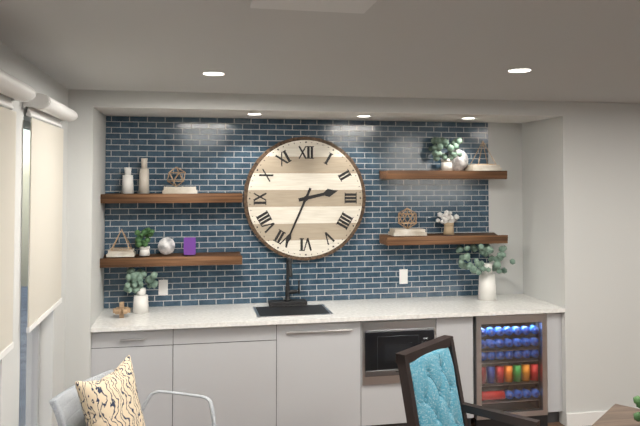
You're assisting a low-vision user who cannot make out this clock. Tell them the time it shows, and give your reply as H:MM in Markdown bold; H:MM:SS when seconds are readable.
**2:34**
